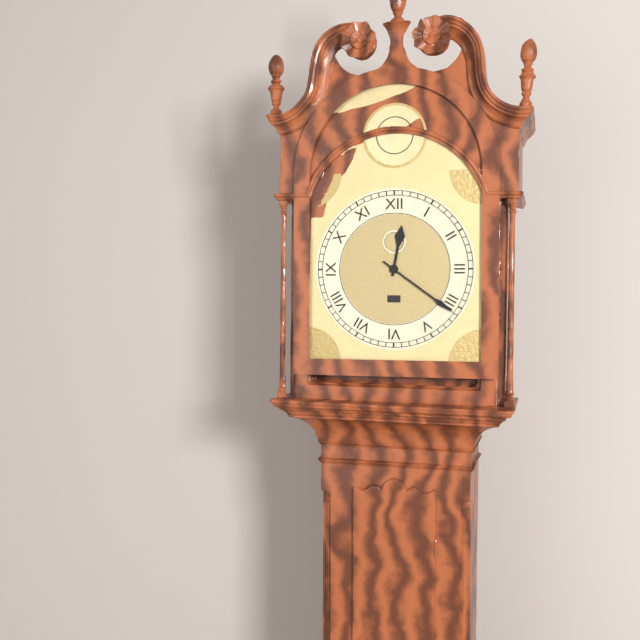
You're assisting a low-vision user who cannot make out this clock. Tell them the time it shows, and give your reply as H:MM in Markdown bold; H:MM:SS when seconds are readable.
**12:21**
